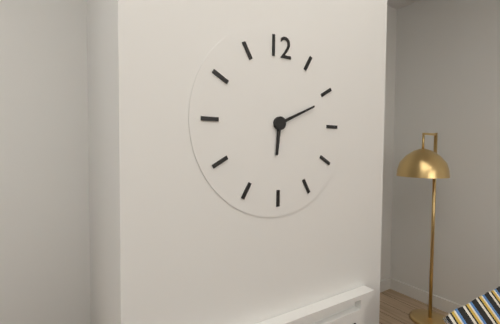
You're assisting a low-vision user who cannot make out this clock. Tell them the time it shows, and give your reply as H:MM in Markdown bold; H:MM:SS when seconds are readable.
**6:11**
